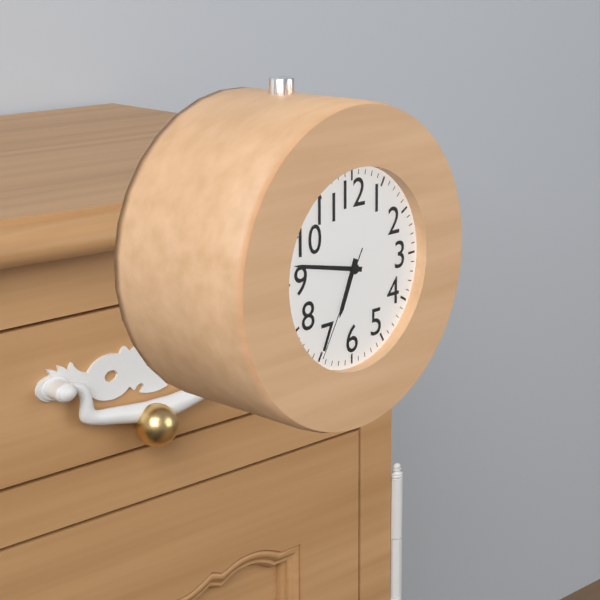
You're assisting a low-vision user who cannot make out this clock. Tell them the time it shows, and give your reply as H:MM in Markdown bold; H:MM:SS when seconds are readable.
**6:47:35**
